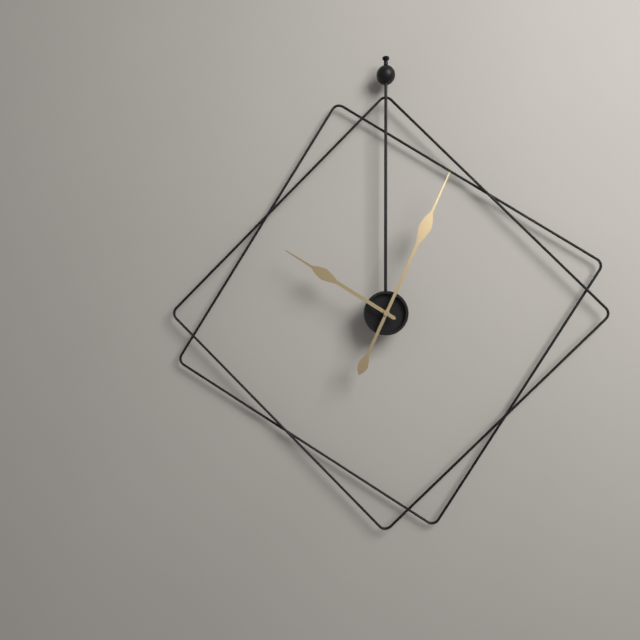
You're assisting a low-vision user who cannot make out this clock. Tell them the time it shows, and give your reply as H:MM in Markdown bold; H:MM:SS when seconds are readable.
**10:04**
